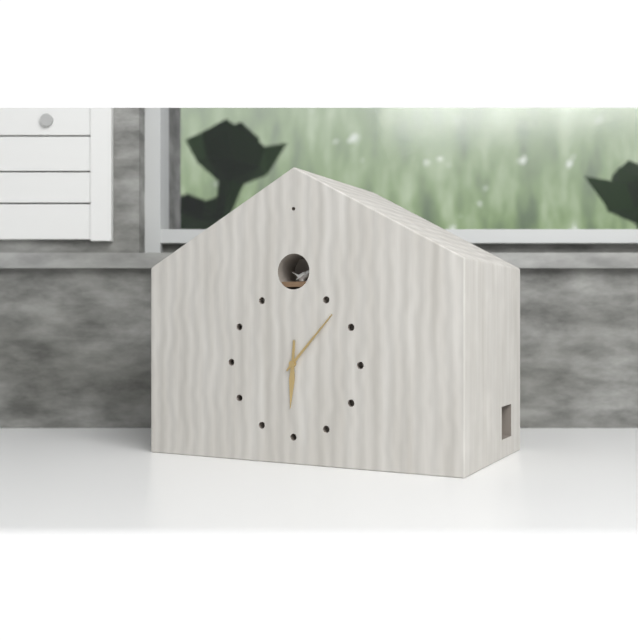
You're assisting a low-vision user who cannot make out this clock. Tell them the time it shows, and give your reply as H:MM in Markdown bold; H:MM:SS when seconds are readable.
**6:07**
